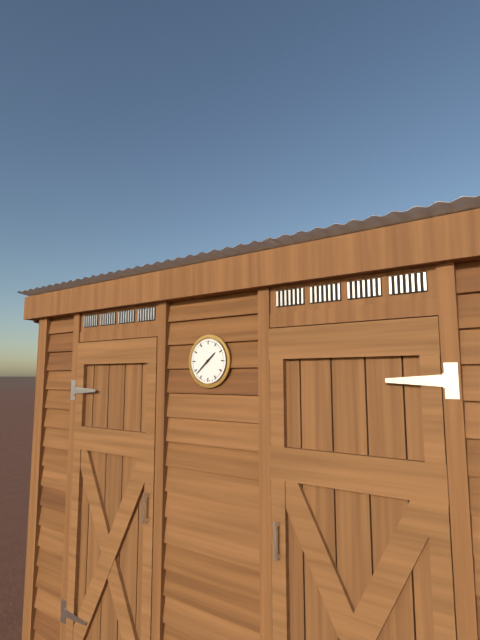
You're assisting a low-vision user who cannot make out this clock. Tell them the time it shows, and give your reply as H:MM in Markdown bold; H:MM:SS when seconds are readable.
**1:38**
